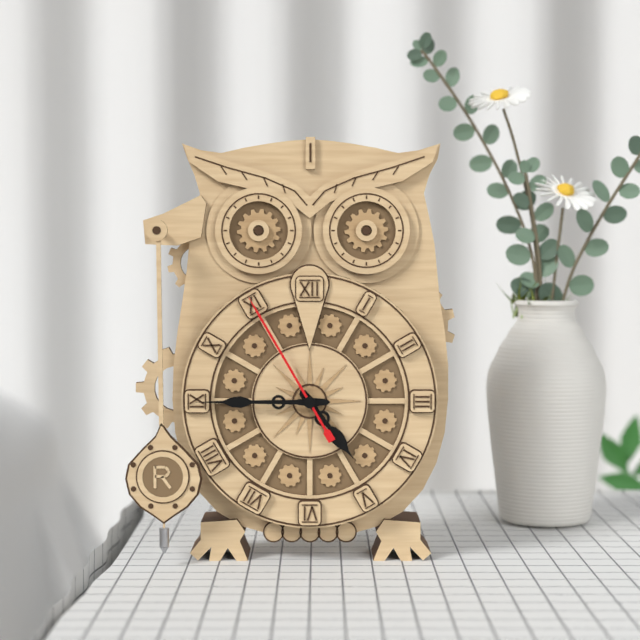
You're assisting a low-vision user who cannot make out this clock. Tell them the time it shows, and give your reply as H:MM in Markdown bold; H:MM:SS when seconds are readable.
**4:45:55**
